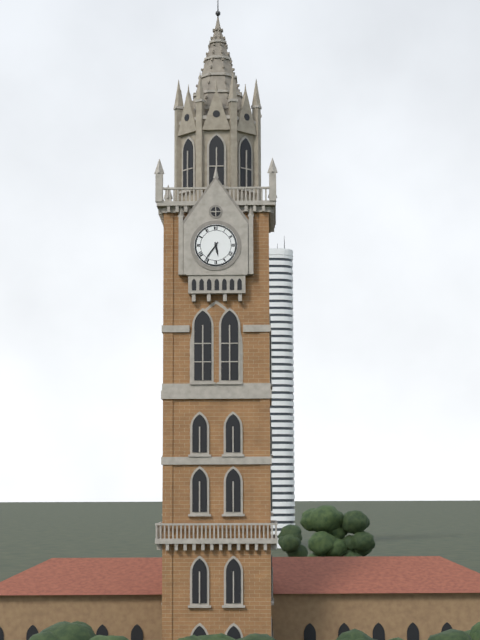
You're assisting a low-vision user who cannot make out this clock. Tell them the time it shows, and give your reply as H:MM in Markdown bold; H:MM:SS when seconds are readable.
**5:36**
